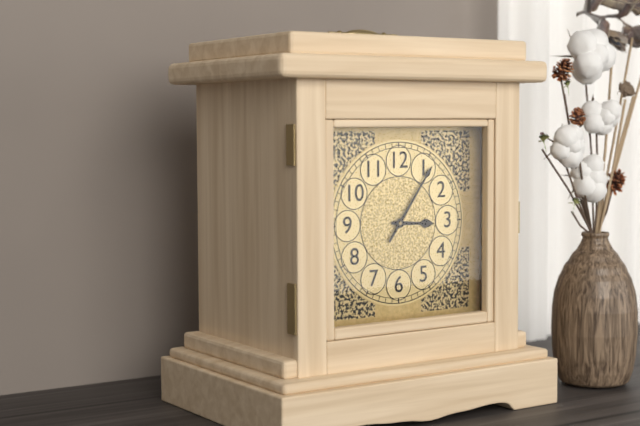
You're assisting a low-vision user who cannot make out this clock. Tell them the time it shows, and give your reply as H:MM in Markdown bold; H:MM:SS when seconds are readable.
**3:06**
